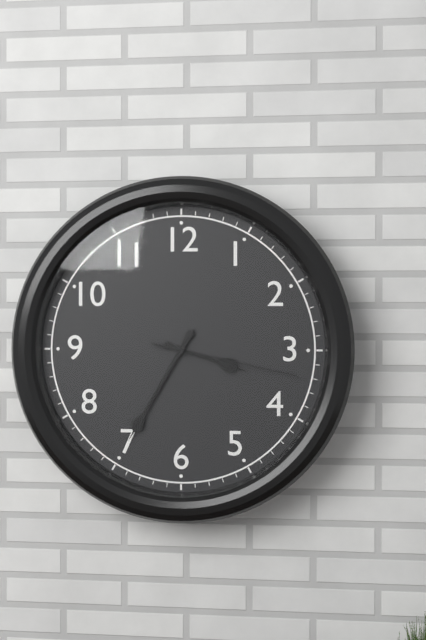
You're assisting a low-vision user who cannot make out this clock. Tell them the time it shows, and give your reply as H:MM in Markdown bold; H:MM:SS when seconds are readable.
**3:35:17**
